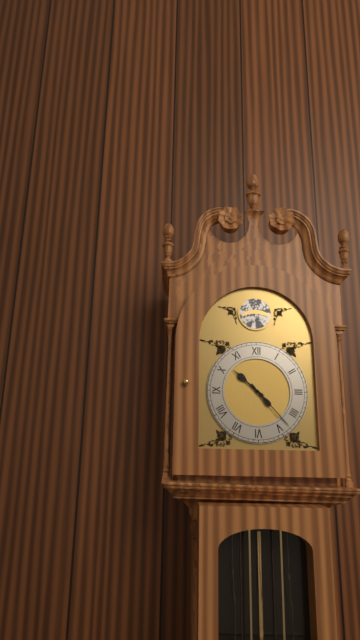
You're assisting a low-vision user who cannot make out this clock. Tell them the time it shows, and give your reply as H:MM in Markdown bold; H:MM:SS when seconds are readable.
**10:23**
